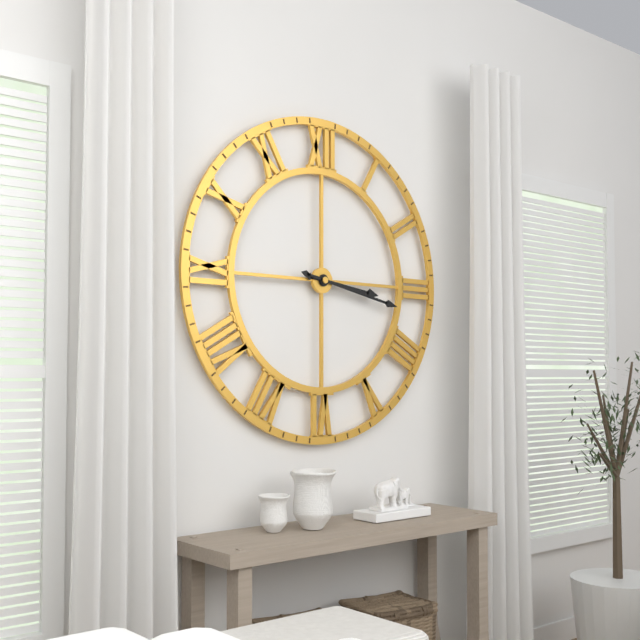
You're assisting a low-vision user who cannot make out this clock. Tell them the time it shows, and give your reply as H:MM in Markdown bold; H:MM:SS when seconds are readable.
**3:17**
